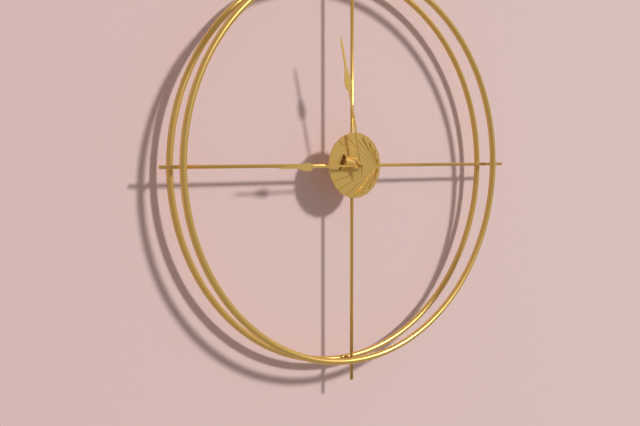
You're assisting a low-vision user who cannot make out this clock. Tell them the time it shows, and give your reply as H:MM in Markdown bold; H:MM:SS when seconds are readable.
**8:58**
